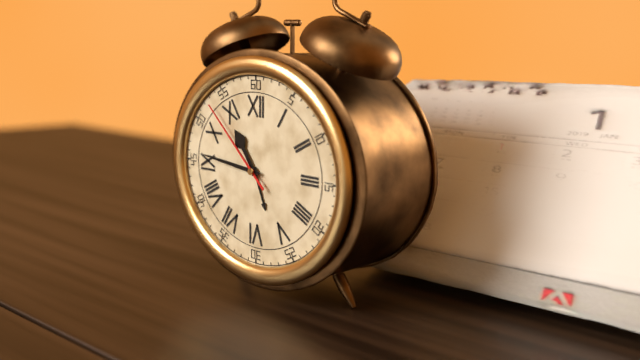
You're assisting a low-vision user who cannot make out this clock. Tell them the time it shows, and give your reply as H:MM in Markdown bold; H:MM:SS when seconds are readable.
**10:46:52**
